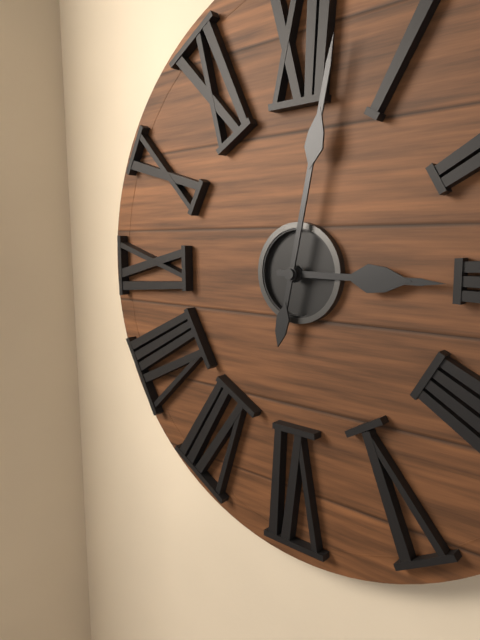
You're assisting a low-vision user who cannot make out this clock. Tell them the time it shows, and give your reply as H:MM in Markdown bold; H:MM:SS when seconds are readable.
**3:02**
